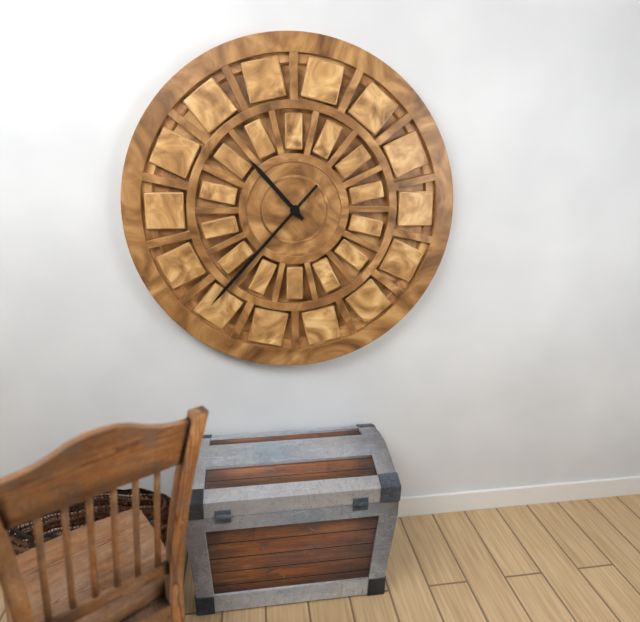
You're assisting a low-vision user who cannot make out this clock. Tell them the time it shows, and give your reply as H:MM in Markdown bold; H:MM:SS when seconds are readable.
**10:37**
